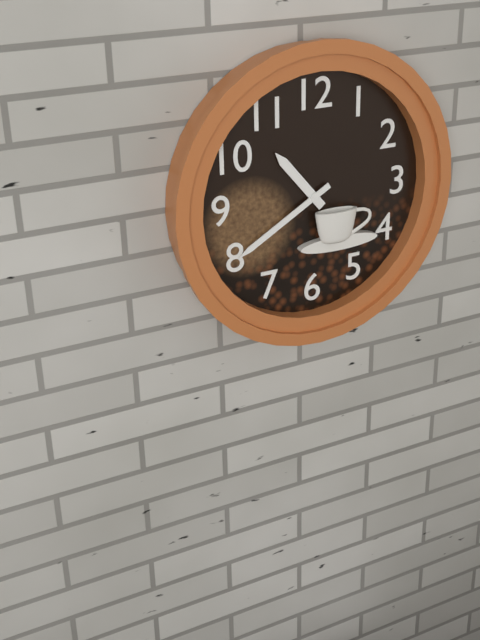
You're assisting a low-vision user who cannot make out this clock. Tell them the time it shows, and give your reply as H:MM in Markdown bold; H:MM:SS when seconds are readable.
**10:40**
